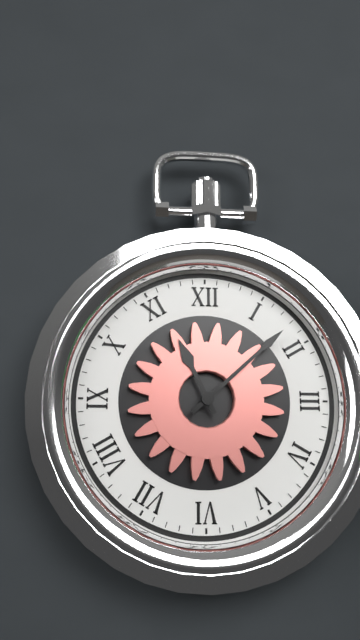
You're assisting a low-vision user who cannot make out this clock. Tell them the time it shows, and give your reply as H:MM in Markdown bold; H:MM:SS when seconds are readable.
**11:08**
